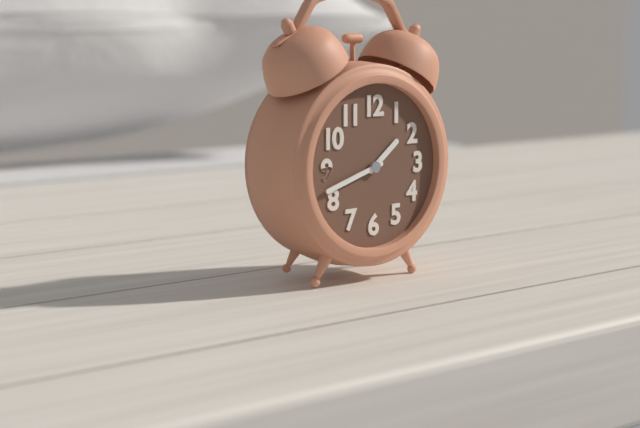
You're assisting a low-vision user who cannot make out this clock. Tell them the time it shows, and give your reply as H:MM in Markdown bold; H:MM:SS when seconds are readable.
**1:42**
